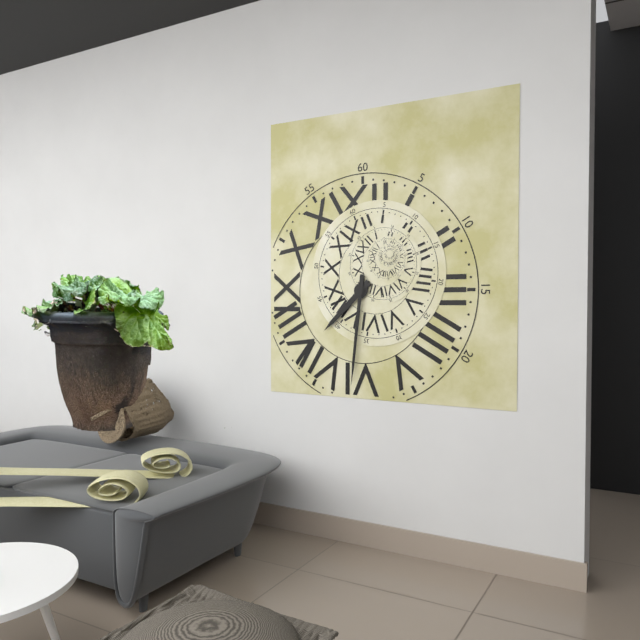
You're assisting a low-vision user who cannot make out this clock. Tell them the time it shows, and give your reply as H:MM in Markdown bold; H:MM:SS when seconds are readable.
**7:31**
